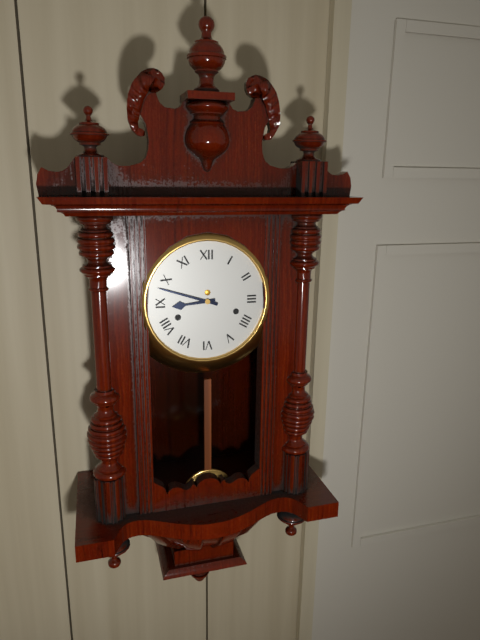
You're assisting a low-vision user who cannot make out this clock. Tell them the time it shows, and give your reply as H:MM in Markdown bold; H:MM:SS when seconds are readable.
**8:48**
